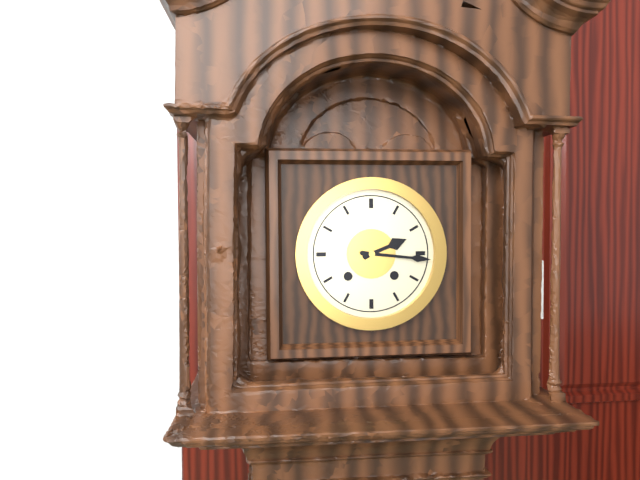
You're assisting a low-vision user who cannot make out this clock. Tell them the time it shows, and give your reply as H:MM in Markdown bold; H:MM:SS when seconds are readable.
**2:16**
